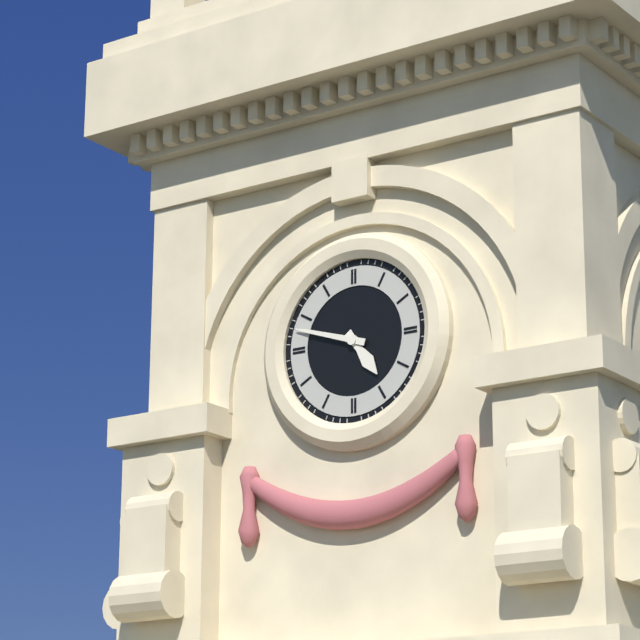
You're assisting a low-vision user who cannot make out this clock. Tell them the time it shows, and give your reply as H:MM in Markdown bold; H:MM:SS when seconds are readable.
**4:48**
